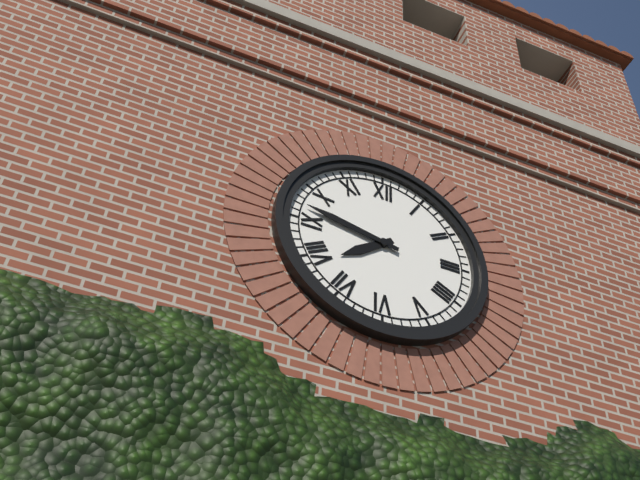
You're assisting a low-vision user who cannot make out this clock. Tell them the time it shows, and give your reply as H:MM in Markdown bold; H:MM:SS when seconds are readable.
**7:47**
